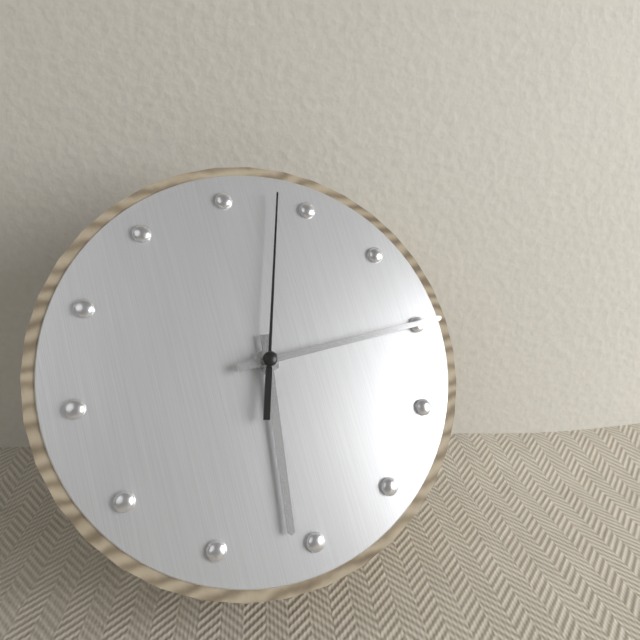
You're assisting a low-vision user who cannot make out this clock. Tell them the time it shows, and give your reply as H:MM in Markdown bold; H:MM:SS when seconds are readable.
**6:15:03**
